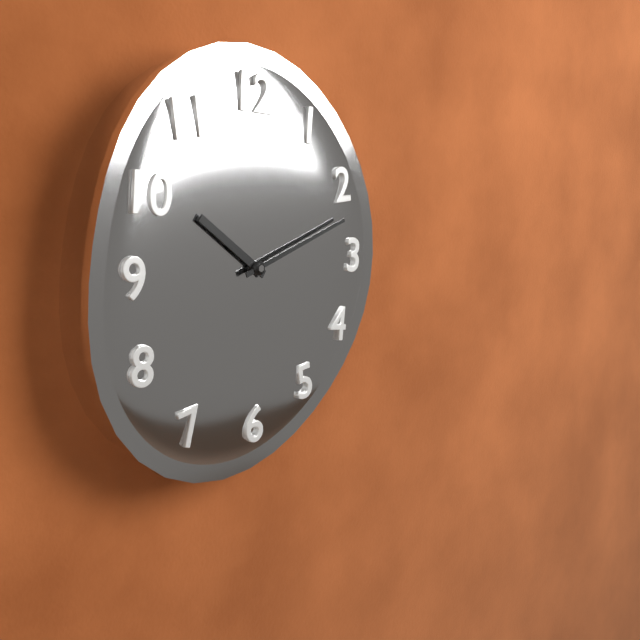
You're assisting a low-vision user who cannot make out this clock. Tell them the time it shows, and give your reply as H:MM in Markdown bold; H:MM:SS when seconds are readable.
**10:12**
